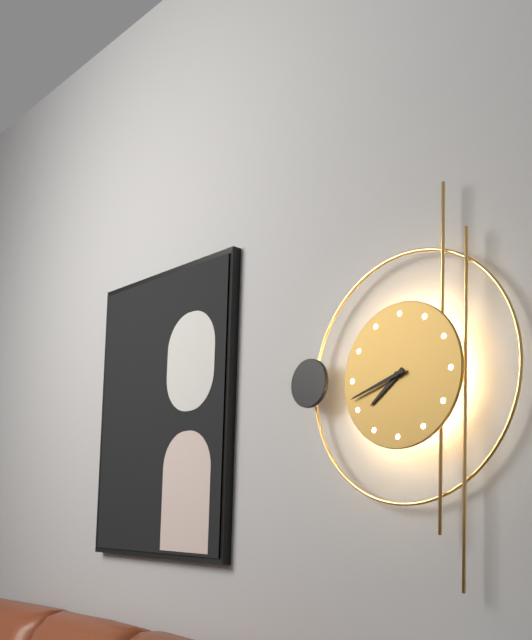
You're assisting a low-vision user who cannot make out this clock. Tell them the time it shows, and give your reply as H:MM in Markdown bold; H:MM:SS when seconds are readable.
**7:42**
